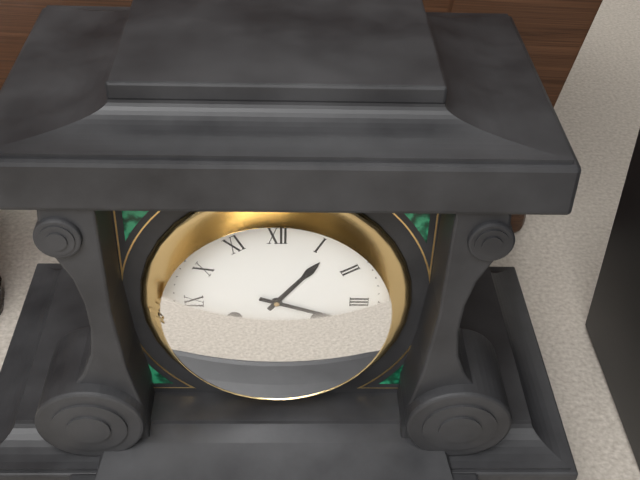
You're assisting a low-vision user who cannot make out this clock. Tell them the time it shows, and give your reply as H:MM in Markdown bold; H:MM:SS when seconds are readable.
**1:18**
